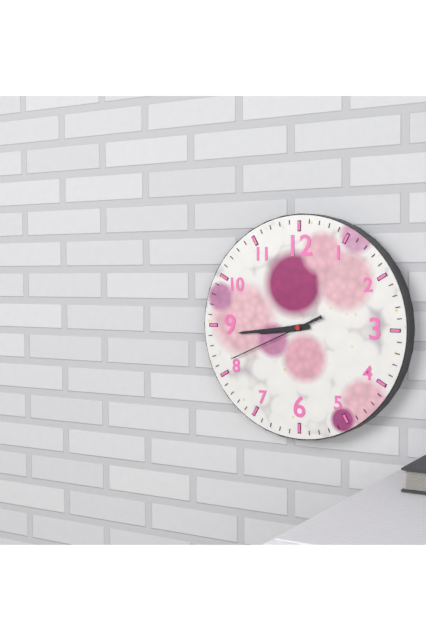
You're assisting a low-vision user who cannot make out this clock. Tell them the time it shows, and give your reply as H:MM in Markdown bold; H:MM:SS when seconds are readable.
**8:44:41**
